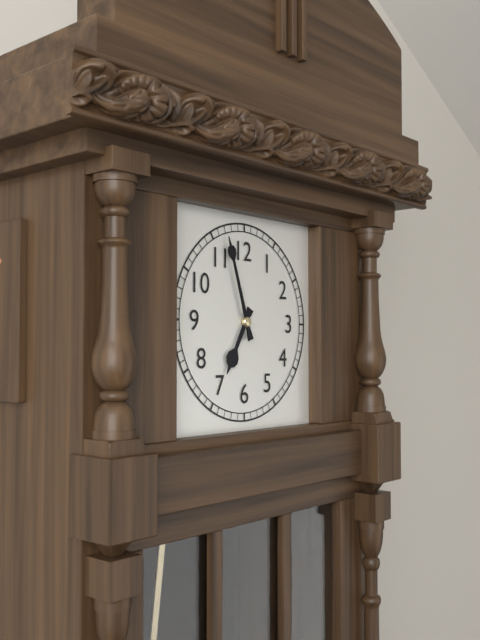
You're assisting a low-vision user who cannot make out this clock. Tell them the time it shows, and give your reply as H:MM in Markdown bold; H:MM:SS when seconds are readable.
**6:57**
